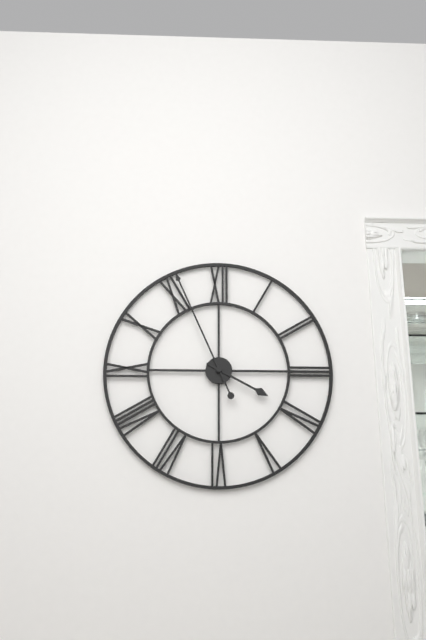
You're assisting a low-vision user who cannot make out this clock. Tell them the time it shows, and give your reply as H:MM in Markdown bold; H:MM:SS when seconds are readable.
**3:56**
